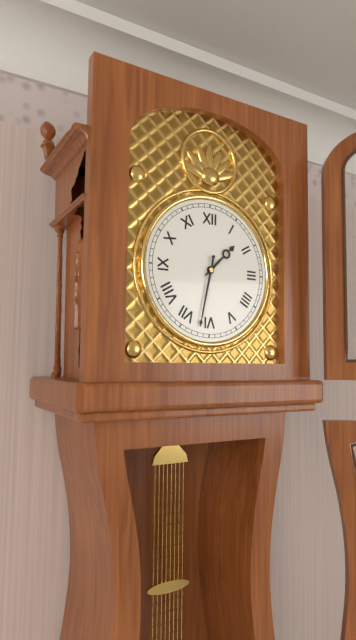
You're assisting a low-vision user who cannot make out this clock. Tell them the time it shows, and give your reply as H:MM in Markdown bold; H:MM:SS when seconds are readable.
**1:32**
